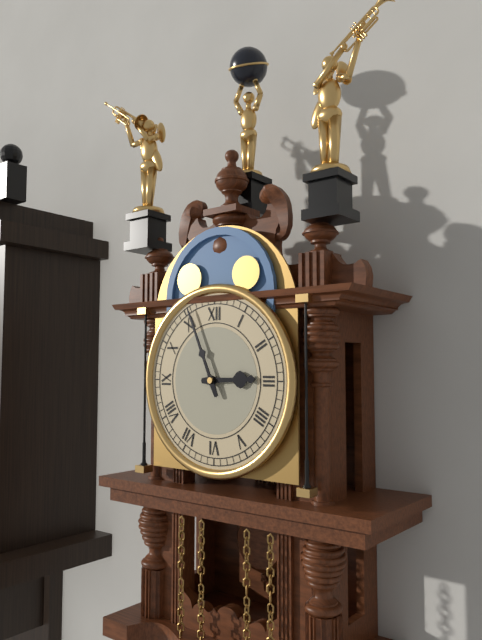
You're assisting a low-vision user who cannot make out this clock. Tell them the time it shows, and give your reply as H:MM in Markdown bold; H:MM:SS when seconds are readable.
**2:56**
